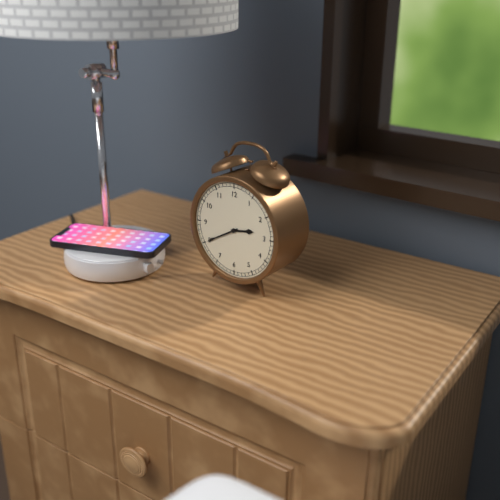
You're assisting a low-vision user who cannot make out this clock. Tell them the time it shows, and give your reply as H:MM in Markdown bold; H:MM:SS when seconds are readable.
**2:40**
